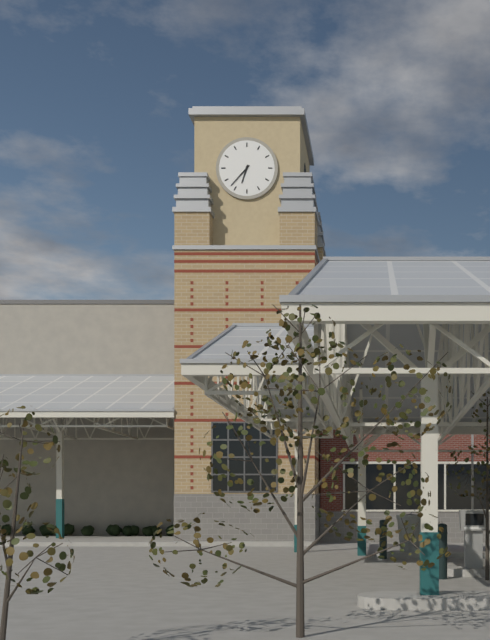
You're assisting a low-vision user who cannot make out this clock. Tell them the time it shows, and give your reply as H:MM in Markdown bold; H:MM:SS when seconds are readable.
**6:37**
